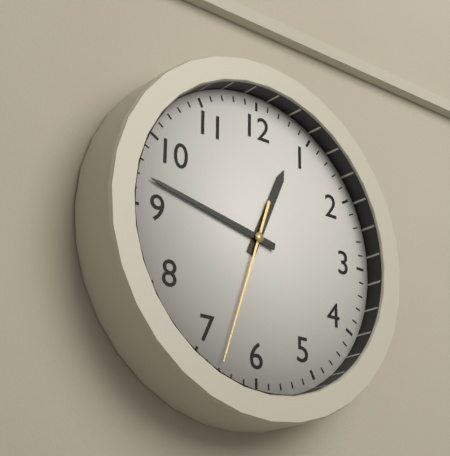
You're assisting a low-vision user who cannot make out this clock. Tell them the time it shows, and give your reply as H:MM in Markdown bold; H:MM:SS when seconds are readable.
**12:47:33**
